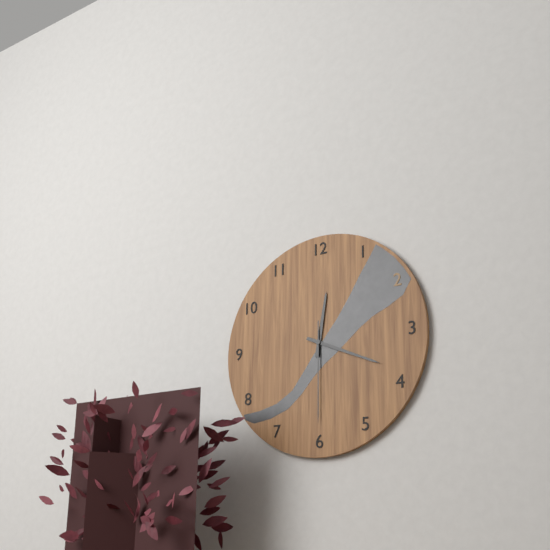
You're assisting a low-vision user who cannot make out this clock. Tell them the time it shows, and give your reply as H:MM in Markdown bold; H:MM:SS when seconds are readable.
**12:19:30**
